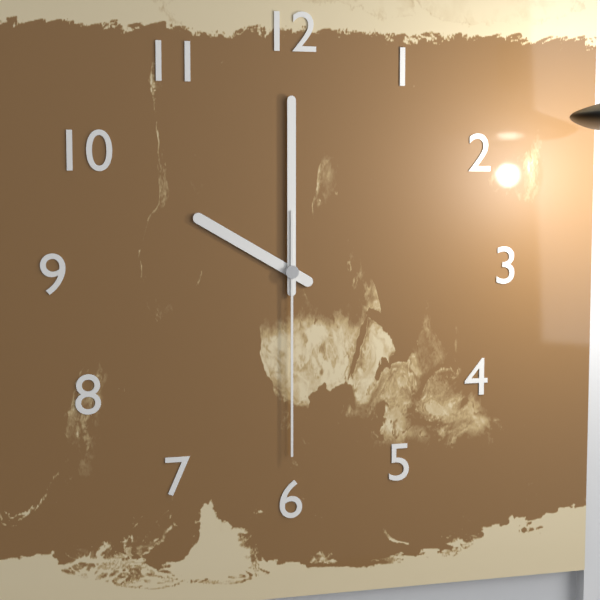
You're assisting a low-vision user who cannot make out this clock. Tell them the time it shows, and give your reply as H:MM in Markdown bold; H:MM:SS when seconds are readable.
**10:00:30**
